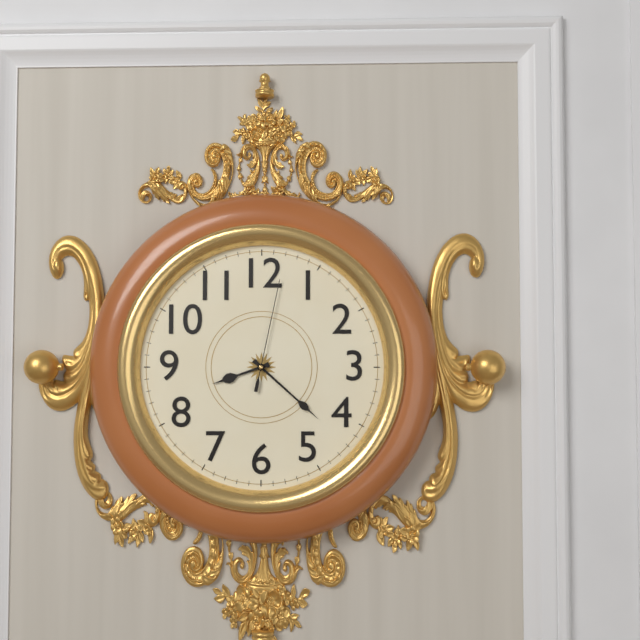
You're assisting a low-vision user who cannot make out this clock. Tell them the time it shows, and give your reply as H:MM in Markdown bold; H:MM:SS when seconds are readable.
**8:22:02**
